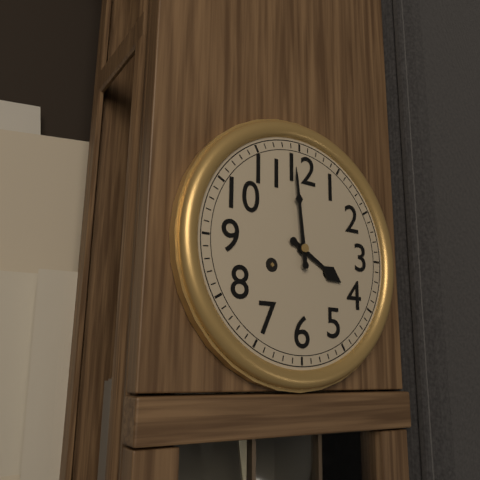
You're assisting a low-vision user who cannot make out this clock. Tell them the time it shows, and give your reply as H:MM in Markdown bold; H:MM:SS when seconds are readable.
**3:59**
